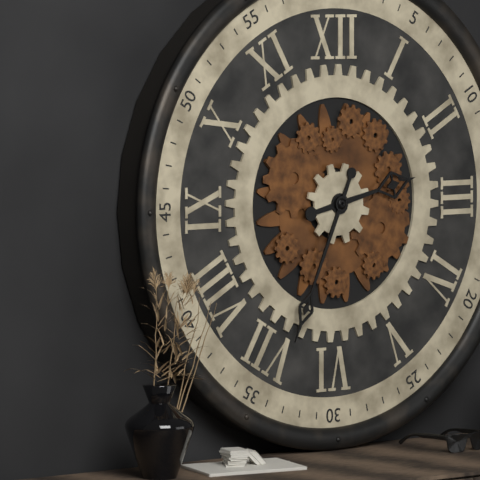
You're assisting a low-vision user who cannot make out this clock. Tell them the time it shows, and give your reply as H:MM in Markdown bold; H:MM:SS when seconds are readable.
**2:34**
